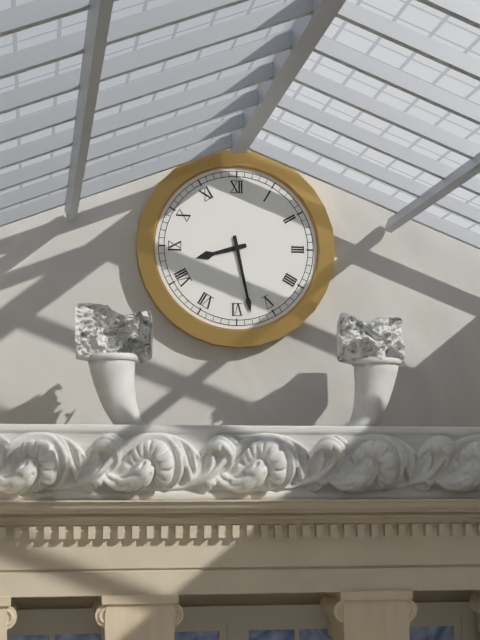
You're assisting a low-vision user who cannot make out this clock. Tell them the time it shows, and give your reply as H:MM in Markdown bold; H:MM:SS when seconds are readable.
**8:28**
